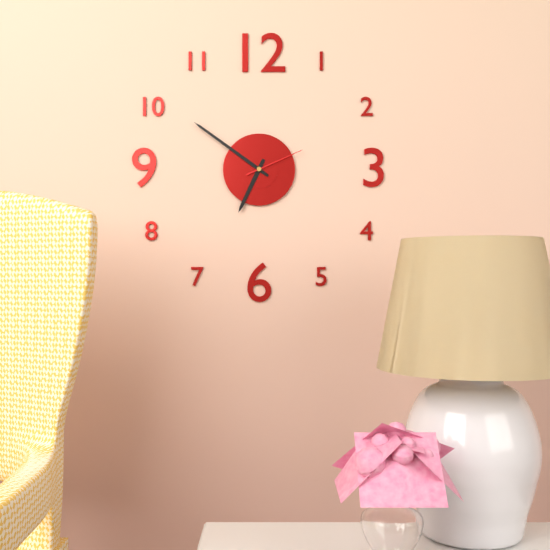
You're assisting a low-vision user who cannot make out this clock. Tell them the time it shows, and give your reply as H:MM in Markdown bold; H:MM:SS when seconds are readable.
**6:51:11**
